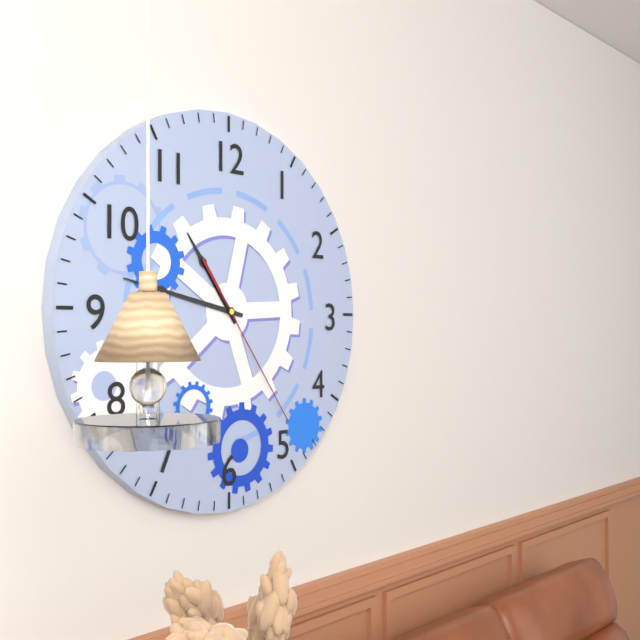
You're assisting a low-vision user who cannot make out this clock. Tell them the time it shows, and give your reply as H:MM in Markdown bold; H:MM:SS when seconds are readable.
**10:47:24**
